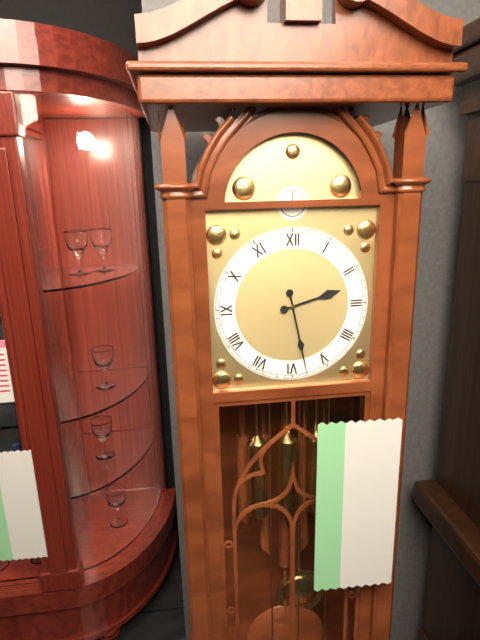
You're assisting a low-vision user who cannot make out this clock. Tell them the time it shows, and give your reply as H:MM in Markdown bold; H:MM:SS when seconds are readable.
**2:28**
